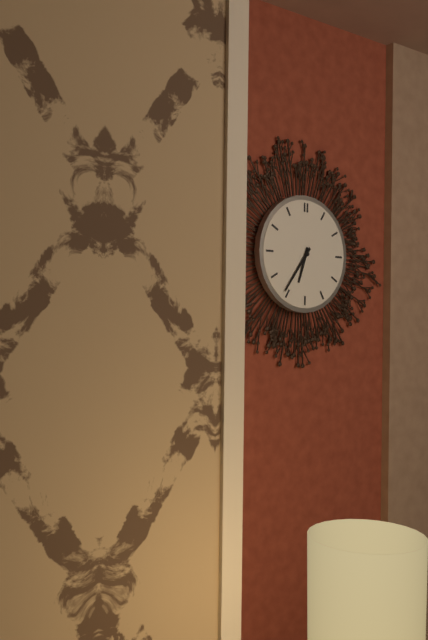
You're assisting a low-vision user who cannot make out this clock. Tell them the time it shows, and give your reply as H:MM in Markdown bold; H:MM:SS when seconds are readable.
**6:36**
